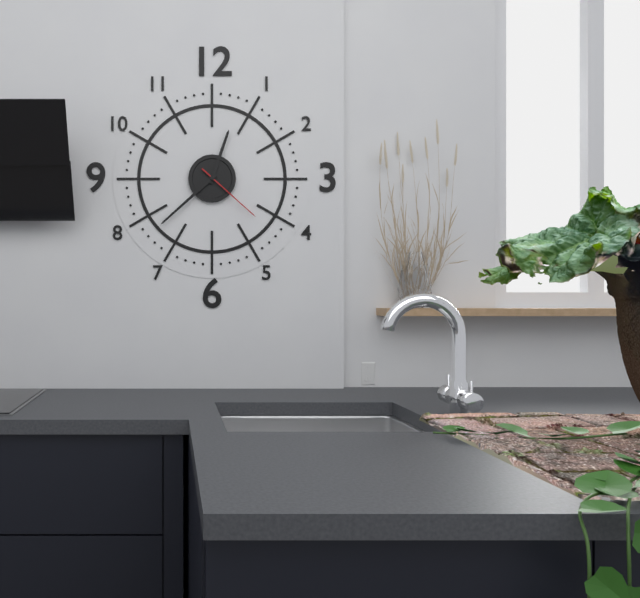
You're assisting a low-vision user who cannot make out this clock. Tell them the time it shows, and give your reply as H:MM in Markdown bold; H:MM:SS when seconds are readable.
**12:38:22**
